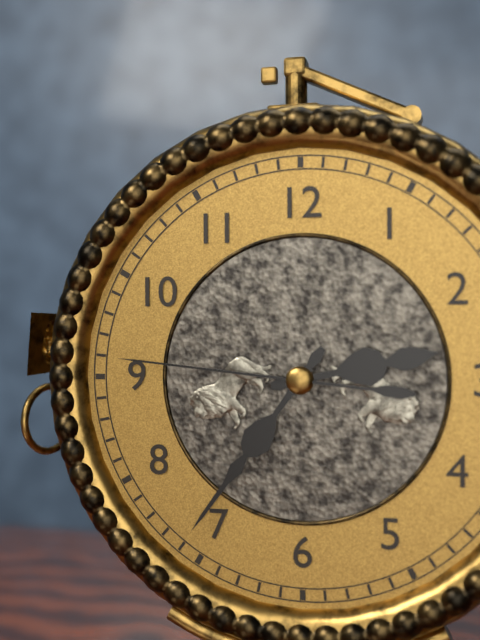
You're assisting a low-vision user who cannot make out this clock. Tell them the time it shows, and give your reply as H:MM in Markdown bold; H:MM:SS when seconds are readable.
**2:36:46**
